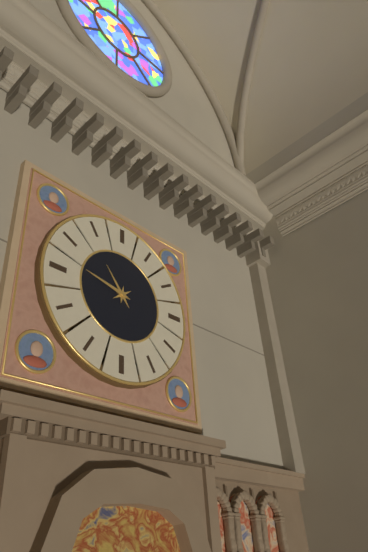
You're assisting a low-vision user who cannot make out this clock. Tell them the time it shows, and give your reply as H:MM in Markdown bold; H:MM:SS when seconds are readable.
**10:47**
